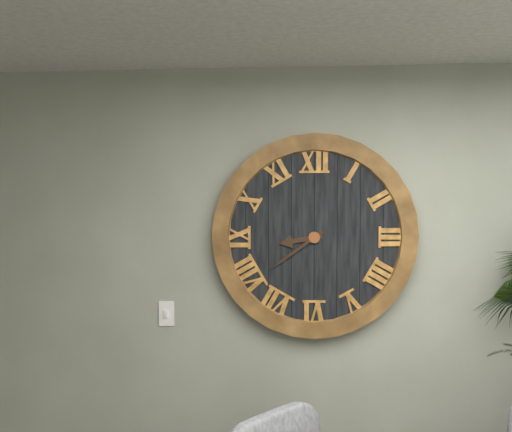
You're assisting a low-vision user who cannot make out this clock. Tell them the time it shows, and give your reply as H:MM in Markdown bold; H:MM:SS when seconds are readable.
**8:39**
